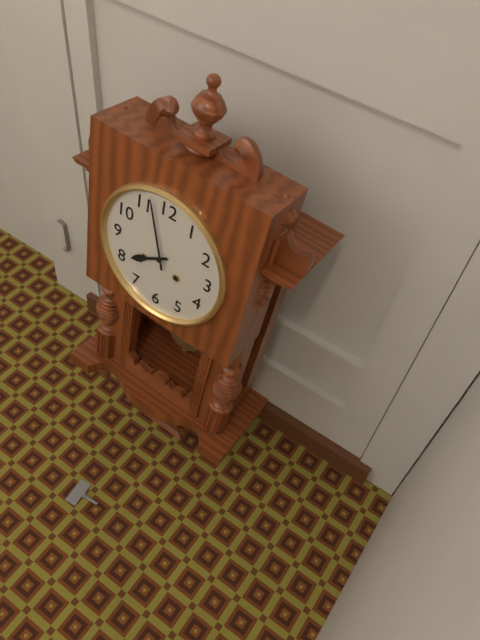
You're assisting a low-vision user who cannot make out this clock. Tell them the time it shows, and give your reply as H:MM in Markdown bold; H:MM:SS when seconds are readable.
**7:57**
